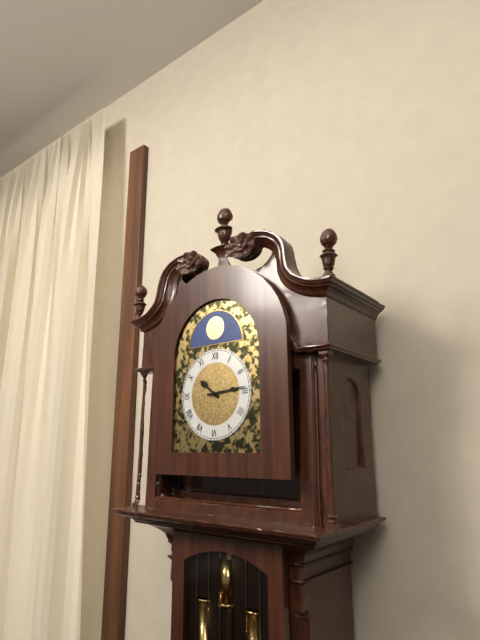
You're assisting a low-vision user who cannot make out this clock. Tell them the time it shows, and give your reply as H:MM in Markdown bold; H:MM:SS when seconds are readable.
**10:14**
